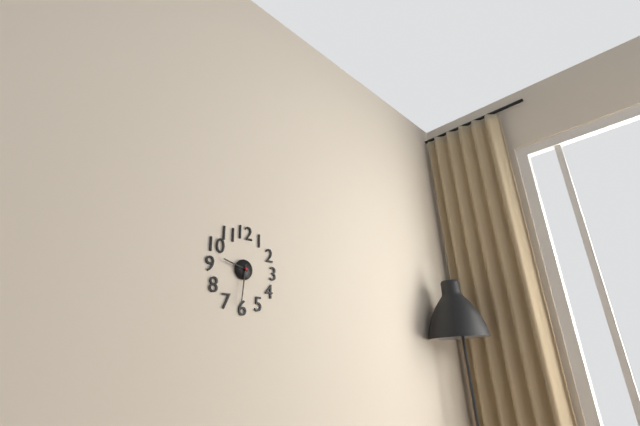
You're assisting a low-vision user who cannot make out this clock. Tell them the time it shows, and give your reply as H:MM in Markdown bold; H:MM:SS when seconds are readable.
**9:31**
